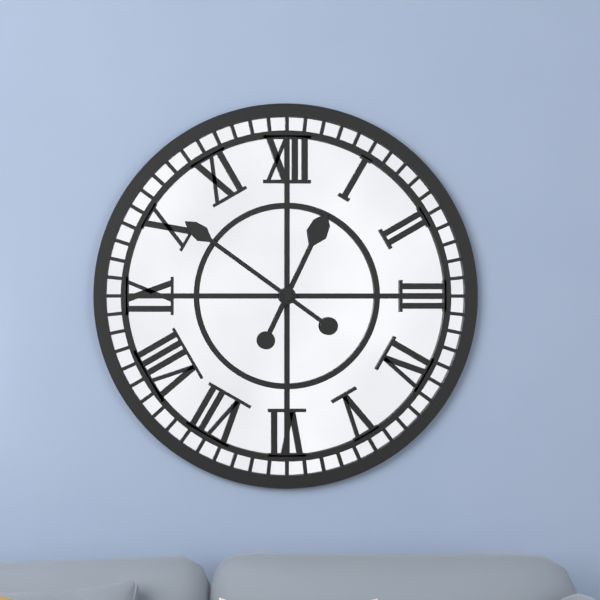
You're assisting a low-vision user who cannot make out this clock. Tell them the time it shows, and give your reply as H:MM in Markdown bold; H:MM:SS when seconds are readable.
**12:51**
